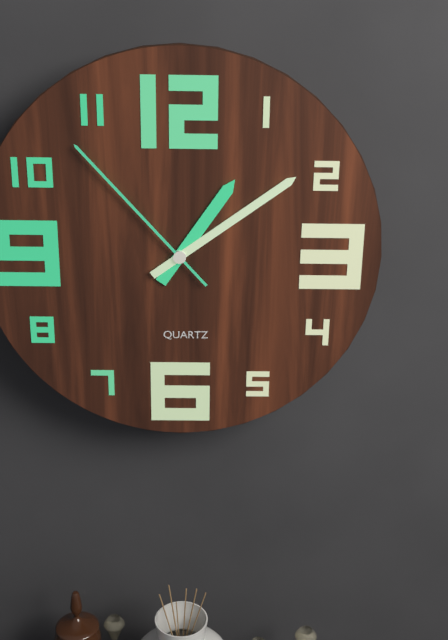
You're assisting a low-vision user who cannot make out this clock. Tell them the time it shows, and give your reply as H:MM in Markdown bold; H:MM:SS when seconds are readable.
**1:09:53**
